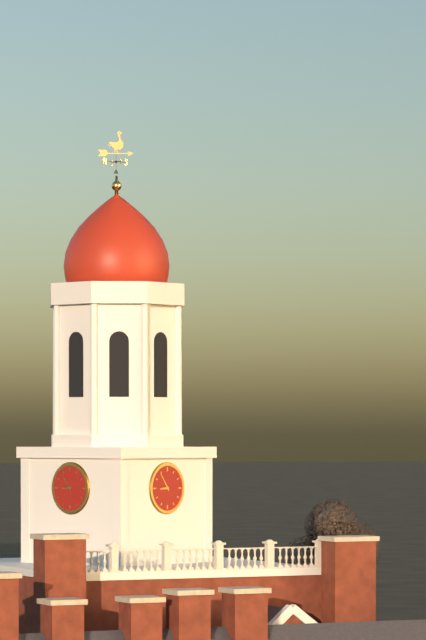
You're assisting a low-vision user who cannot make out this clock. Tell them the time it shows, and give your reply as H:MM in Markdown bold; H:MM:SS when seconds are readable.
**8:54**
